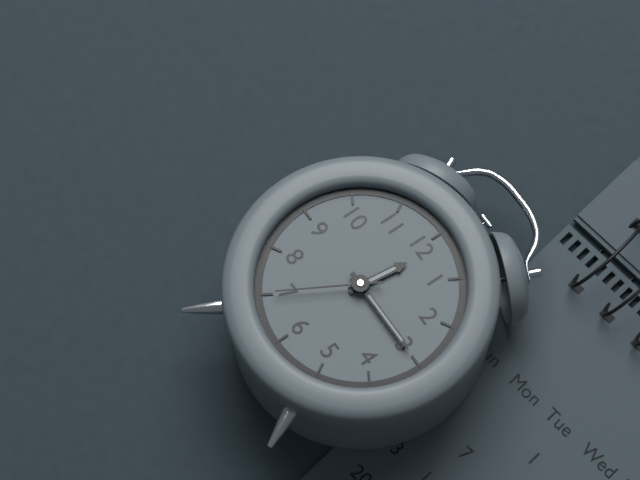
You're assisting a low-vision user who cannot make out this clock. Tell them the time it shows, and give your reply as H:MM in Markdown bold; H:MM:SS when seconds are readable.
**12:15:35**
